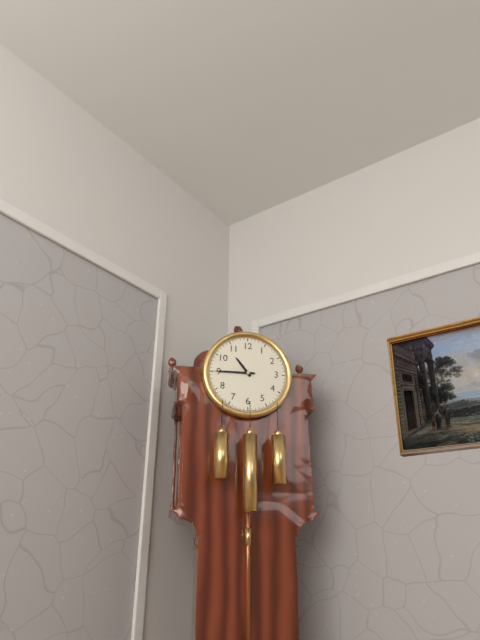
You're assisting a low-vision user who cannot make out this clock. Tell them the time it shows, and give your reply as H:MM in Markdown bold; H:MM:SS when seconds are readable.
**10:45**
